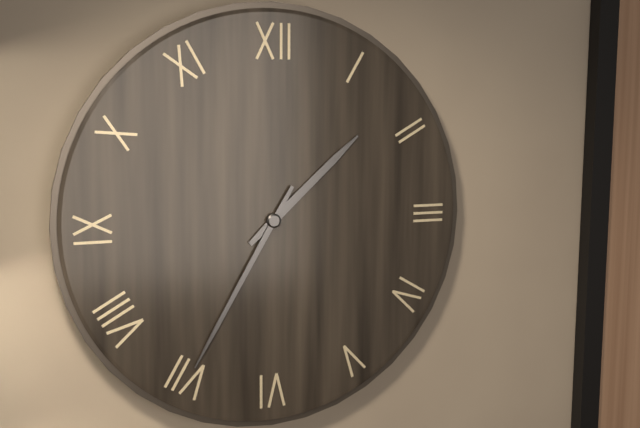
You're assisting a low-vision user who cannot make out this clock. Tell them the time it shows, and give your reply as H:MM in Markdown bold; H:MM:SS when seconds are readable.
**1:35**
